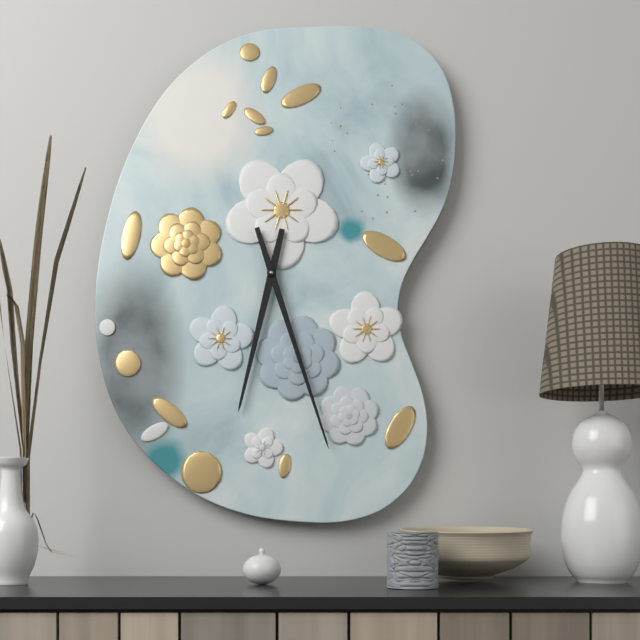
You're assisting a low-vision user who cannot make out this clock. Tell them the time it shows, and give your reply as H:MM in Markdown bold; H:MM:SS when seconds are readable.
**6:27**
